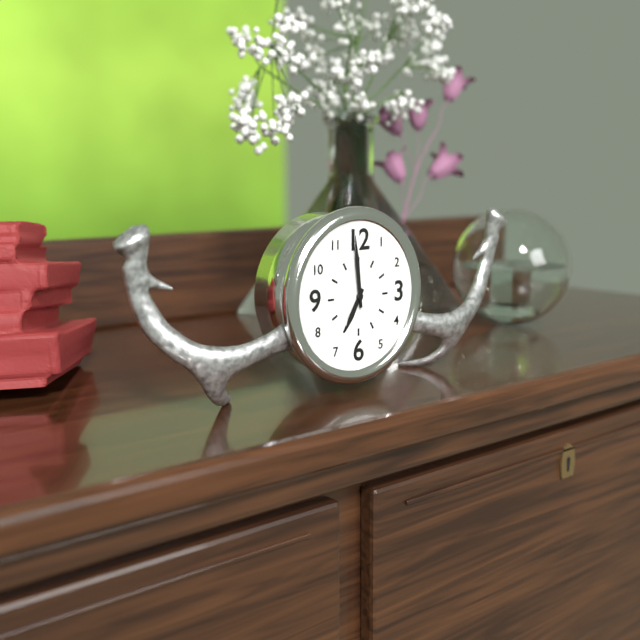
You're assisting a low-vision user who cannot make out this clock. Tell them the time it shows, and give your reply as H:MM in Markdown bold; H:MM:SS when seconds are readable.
**6:59**
